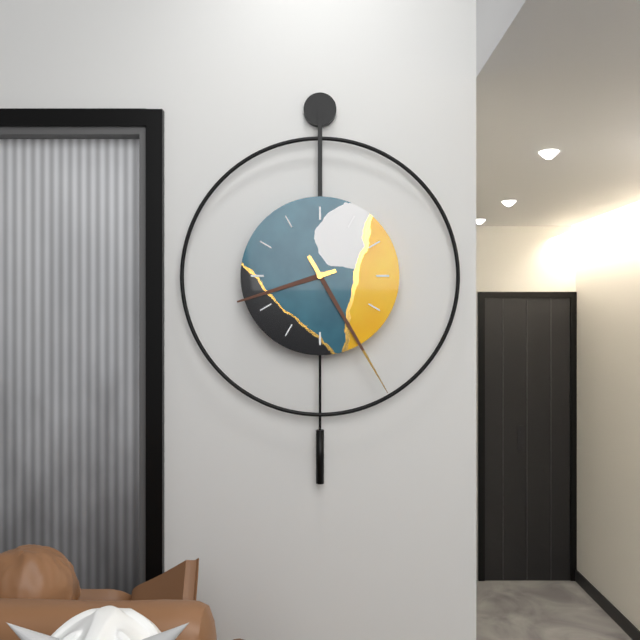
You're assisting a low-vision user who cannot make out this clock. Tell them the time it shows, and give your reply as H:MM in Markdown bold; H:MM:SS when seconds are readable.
**8:25**
